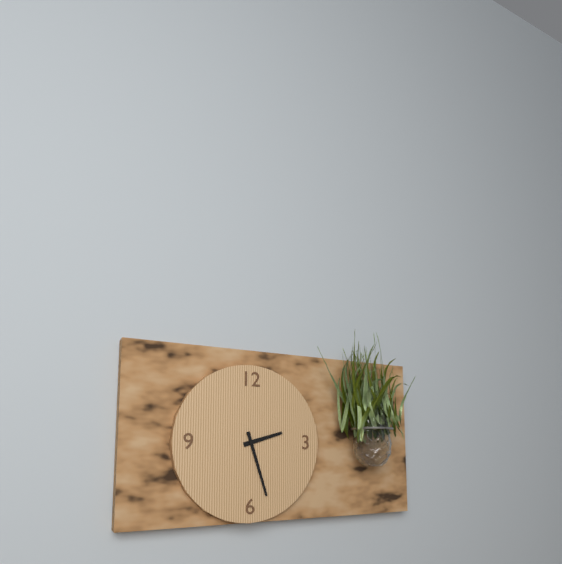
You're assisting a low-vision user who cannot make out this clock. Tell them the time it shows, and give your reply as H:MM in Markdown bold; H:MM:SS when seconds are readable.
**2:27**
